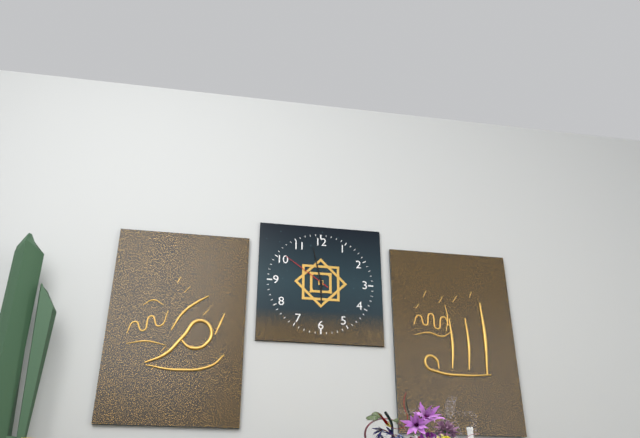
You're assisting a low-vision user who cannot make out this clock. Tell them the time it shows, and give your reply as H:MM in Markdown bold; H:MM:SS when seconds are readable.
**5:58:51**
